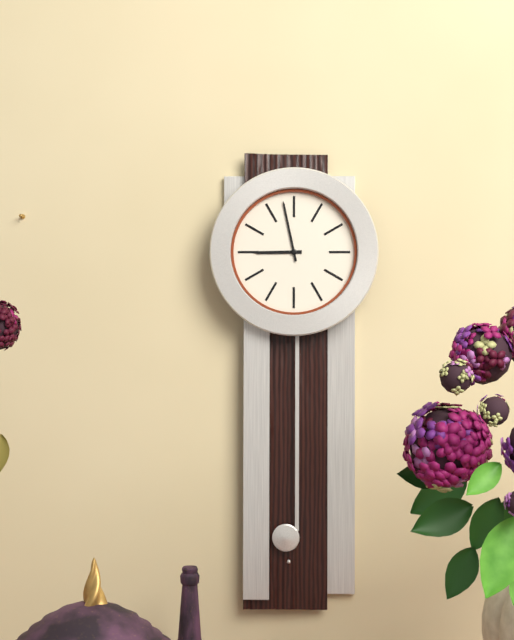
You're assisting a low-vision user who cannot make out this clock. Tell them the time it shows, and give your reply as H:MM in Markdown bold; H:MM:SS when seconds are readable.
**8:58**
